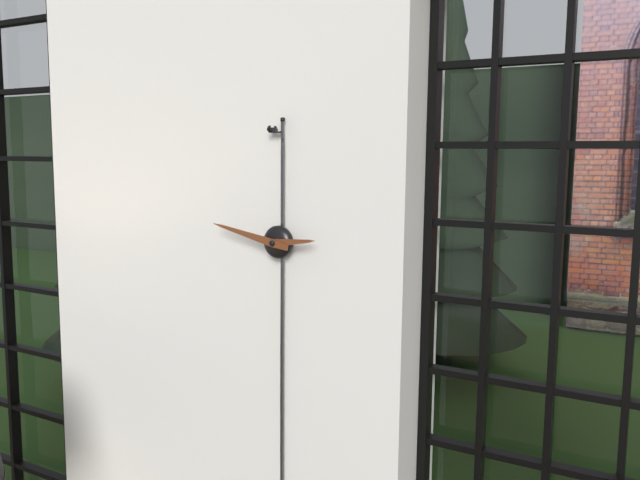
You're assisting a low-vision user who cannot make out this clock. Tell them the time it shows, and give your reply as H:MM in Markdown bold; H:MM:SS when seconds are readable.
**2:47**
